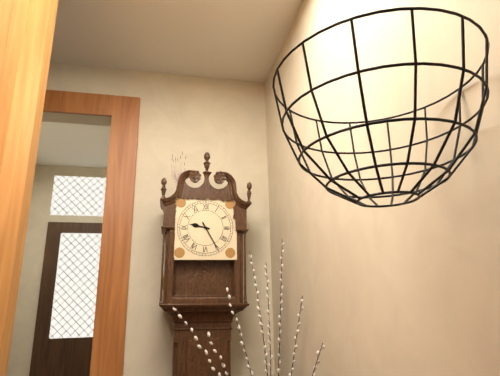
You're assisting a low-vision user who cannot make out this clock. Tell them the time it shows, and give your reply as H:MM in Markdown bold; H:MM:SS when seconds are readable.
**9:25**
